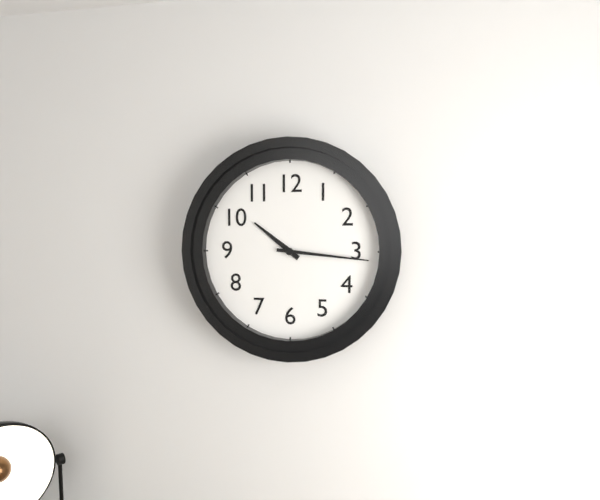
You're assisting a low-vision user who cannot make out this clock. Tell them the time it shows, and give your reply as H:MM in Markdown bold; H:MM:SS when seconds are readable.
**10:16**
